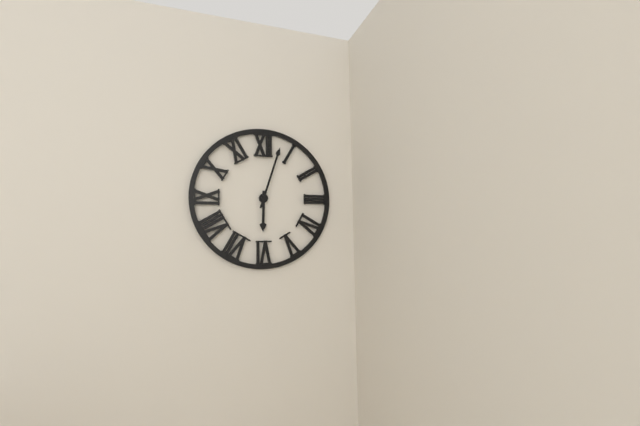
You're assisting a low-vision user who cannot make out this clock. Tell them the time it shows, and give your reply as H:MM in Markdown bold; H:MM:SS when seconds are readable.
**6:03**
